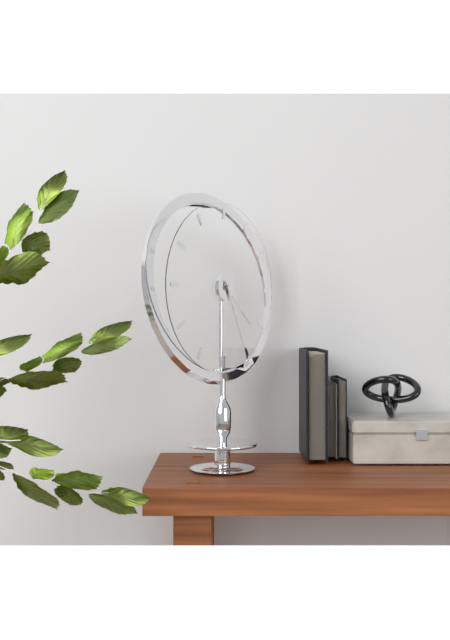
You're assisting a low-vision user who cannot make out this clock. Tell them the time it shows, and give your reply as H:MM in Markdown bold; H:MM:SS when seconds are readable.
**4:26**
